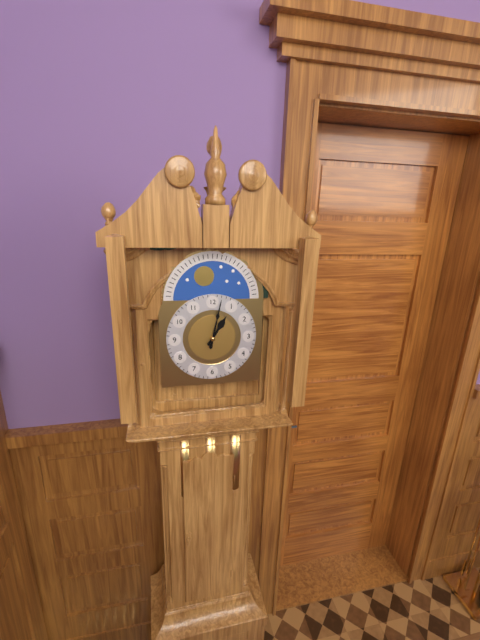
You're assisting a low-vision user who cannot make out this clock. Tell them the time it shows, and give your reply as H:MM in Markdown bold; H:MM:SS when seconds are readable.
**1:02**
